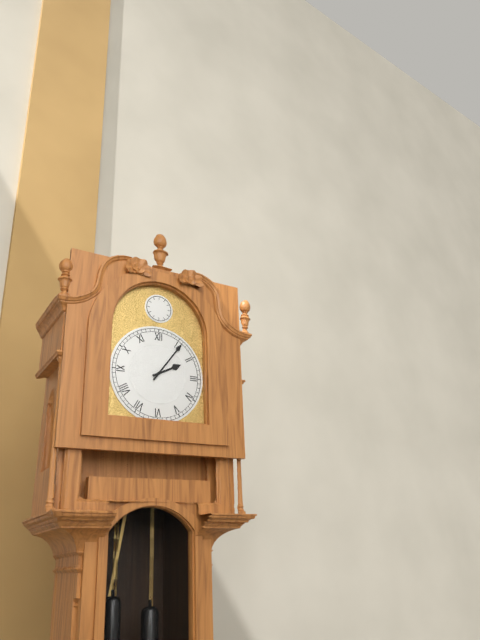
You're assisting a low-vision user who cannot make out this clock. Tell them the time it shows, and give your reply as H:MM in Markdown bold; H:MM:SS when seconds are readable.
**2:06**
